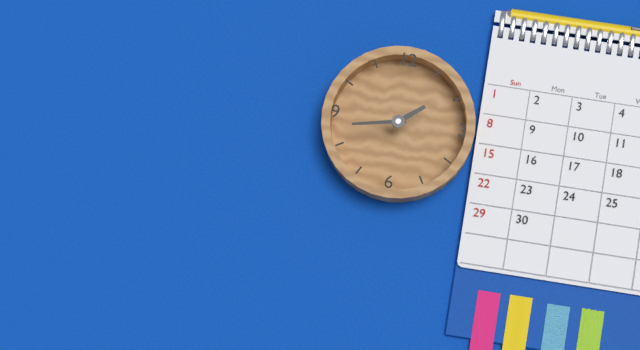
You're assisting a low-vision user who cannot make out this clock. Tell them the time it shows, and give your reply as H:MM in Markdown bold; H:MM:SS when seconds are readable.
**1:43**
